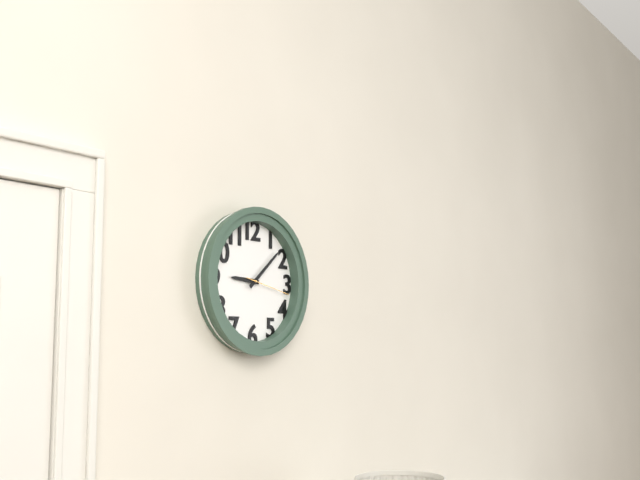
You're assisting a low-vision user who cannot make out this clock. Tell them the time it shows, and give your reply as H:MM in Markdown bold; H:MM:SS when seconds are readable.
**9:08**
